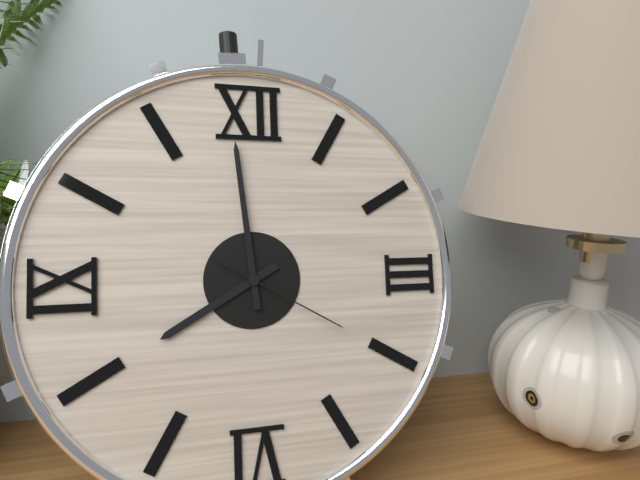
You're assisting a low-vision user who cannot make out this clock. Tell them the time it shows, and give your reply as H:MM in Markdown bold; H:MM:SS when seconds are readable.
**7:59:20**
